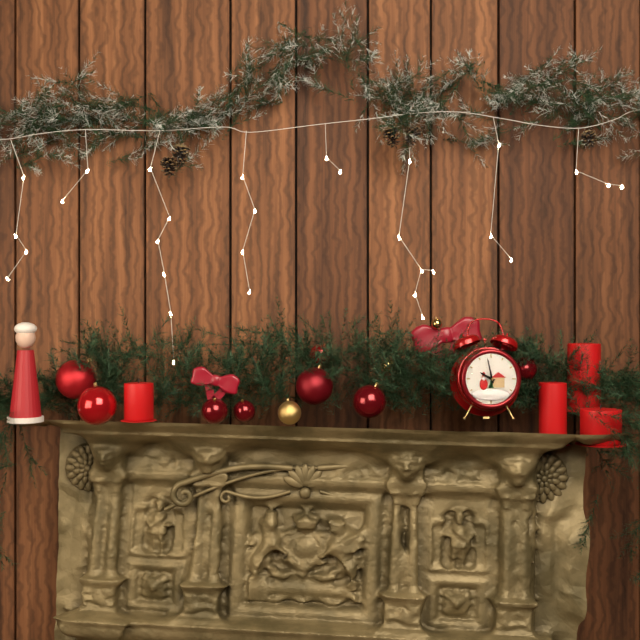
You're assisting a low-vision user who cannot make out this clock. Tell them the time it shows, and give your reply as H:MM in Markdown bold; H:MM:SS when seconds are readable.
**9:58**
